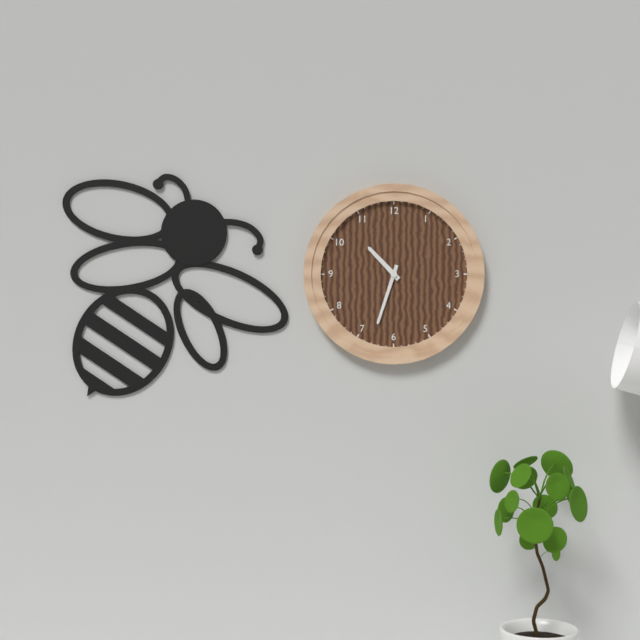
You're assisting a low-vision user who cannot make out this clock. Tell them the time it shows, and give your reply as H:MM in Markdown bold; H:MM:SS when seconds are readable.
**10:33**
